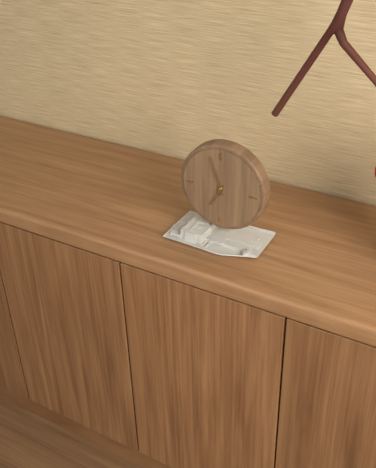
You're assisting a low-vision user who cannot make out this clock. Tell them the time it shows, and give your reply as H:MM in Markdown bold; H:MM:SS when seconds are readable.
**6:57**
